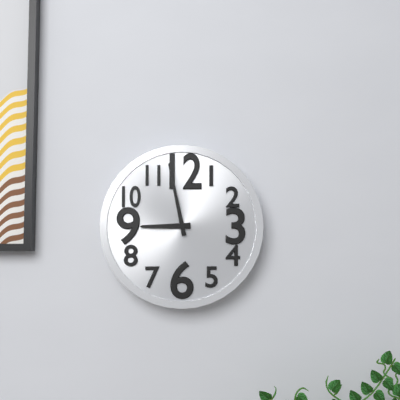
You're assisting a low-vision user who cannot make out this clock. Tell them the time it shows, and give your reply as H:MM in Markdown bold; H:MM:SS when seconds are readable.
**8:58**
